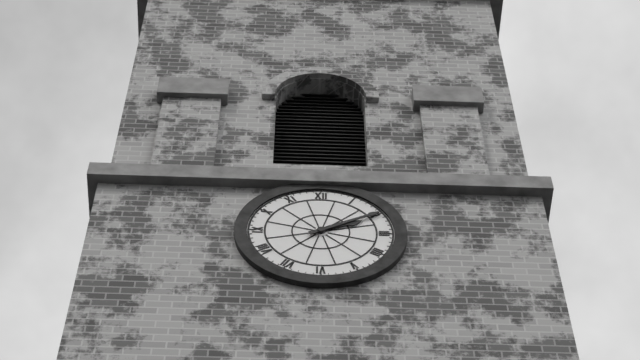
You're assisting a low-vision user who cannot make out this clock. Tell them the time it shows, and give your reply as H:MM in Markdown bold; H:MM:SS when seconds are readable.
**2:10**
